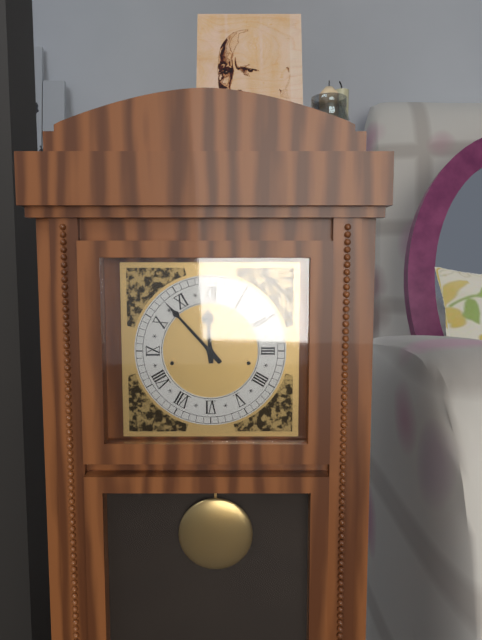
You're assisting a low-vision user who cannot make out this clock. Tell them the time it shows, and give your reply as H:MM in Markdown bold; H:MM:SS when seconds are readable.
**11:53**
